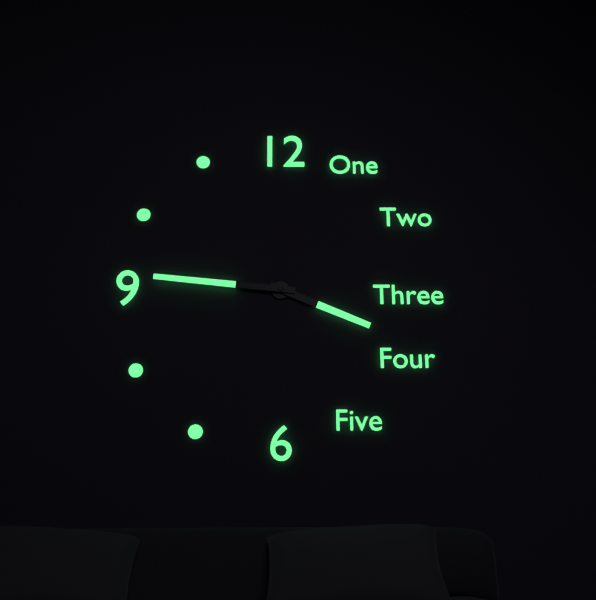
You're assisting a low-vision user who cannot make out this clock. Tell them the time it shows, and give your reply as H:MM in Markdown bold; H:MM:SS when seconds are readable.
**3:46**
